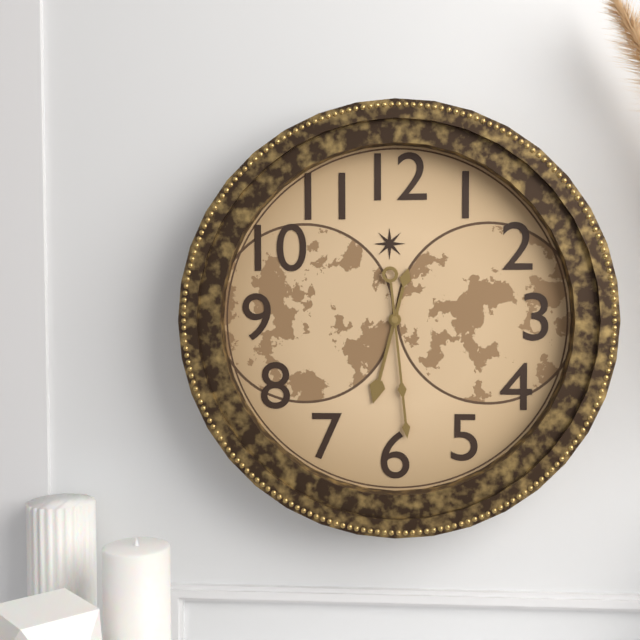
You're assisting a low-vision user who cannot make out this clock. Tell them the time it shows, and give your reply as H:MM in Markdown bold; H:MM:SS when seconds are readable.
**6:29**
